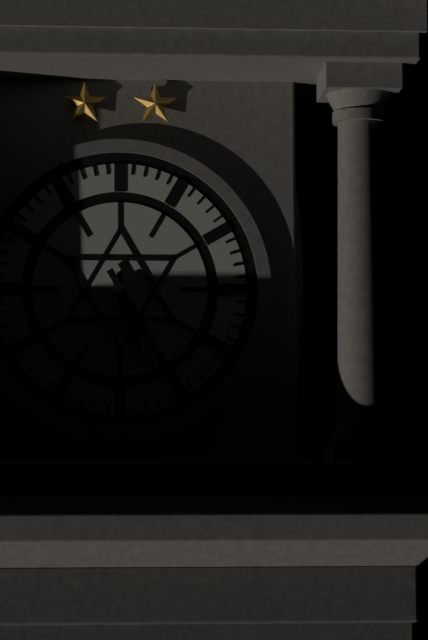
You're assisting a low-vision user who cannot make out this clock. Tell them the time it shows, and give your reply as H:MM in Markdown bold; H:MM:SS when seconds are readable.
**5:25**
